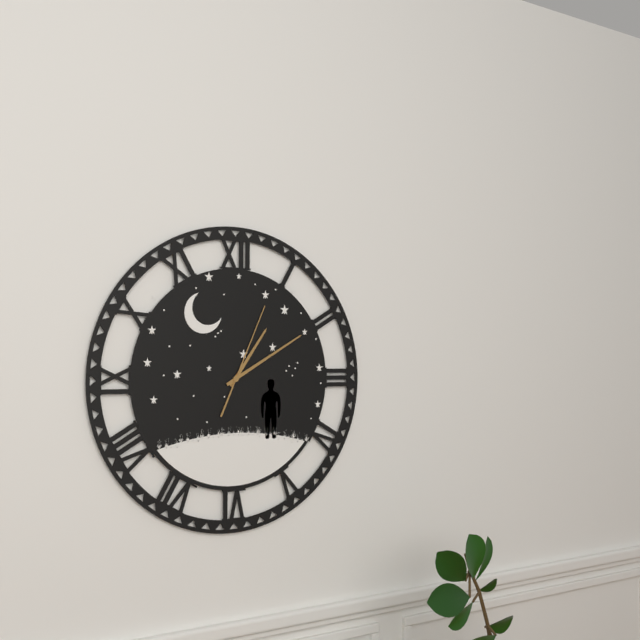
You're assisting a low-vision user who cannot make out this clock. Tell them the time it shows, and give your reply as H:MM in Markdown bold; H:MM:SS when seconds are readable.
**1:10:04**
